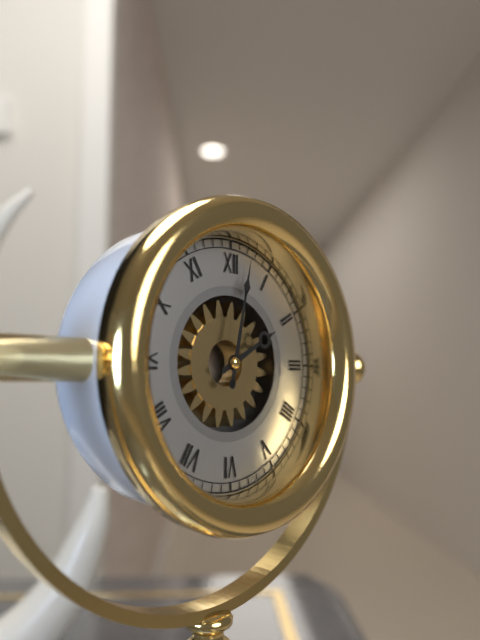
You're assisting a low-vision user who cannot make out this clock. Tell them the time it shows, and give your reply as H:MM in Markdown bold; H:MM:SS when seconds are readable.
**2:02**
